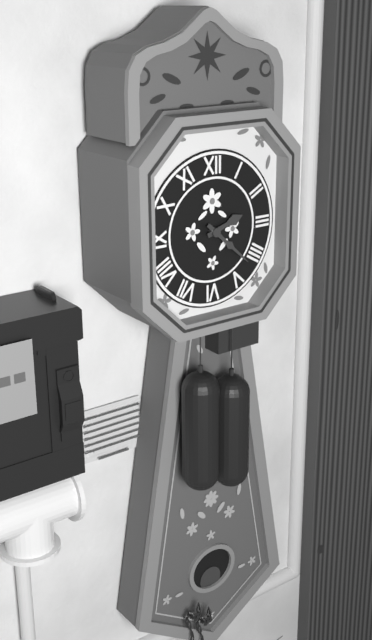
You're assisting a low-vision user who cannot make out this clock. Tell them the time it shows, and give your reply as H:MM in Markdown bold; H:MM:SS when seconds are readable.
**2:22**
